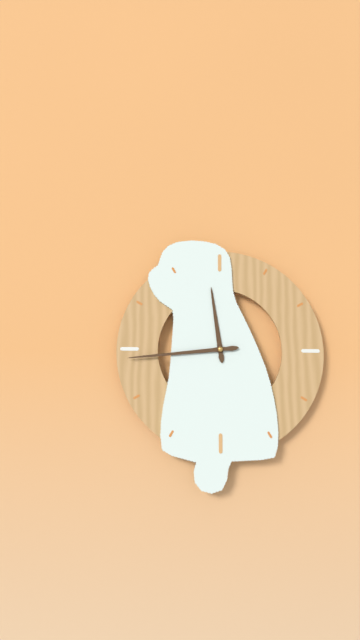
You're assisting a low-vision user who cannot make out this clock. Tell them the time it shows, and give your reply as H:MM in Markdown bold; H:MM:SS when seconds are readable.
**11:44**
